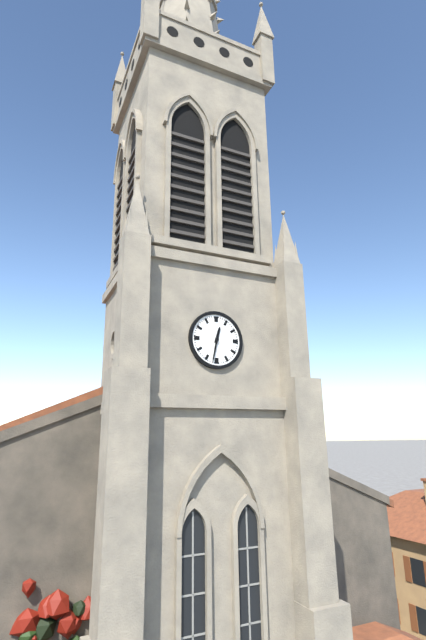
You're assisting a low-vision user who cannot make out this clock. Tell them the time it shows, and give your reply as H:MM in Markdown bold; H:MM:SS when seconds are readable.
**12:32**
